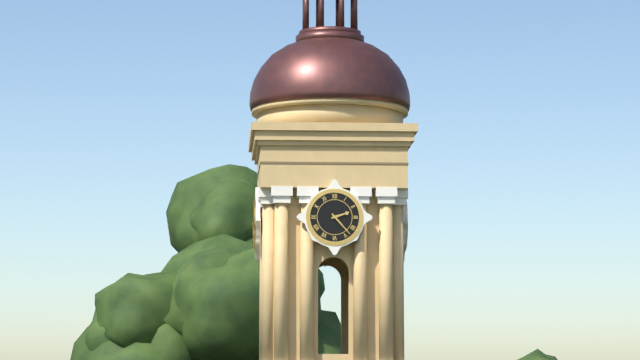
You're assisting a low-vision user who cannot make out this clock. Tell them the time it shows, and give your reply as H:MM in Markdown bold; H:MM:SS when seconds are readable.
**2:23**
